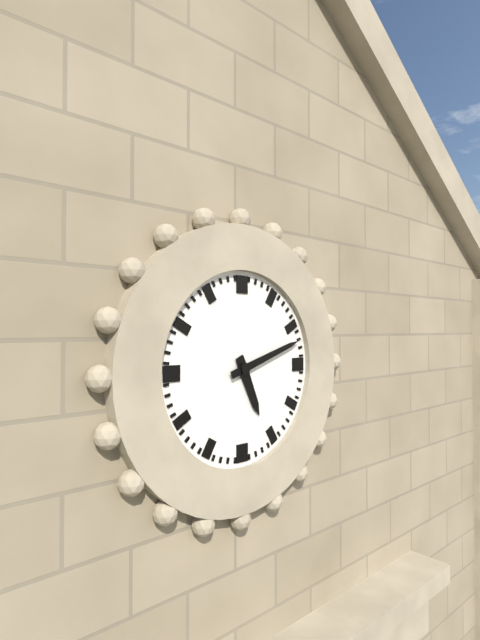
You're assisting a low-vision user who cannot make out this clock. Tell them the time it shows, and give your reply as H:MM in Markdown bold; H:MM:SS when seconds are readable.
**5:12**
